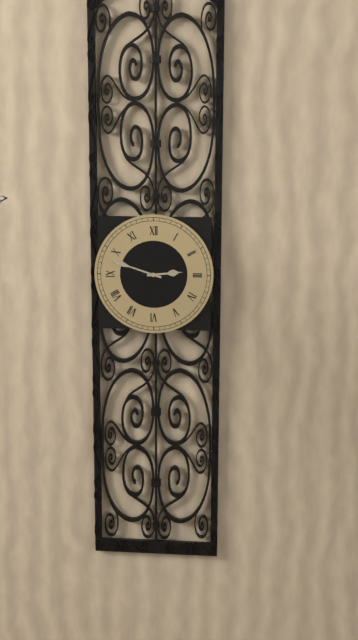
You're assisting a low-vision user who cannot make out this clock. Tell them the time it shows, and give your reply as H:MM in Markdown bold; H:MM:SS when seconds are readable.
**2:48**
